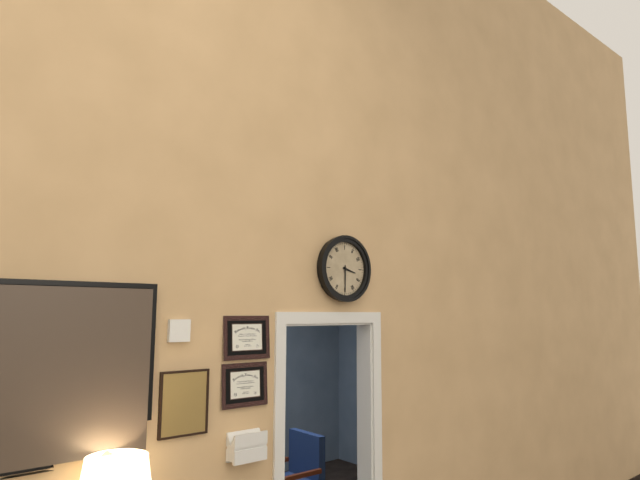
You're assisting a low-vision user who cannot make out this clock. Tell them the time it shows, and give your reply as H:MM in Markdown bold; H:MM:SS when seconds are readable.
**3:30**
